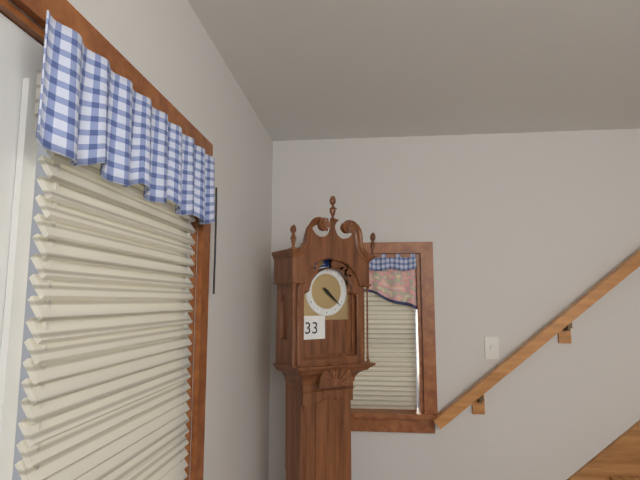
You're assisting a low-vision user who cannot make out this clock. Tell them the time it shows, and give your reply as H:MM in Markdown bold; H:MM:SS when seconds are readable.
**4:22**
